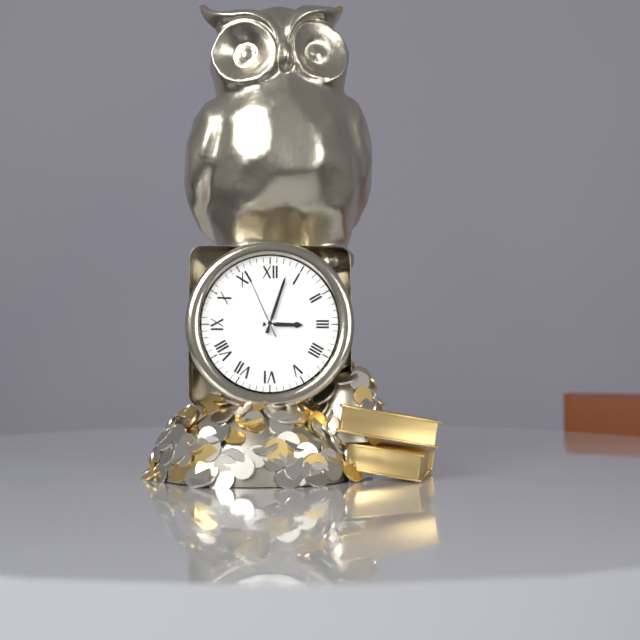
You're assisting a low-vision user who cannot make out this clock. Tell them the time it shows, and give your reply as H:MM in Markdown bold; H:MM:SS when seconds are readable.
**3:03:56**
